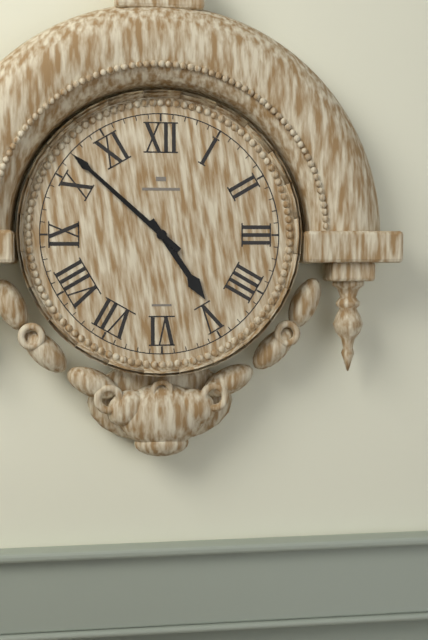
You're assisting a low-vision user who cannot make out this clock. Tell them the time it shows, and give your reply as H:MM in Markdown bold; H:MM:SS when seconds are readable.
**4:52**
